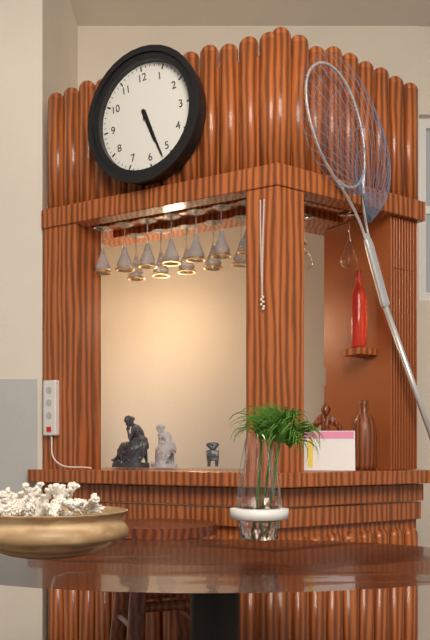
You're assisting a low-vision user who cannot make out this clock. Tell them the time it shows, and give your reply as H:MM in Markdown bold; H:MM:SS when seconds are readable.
**5:27**
